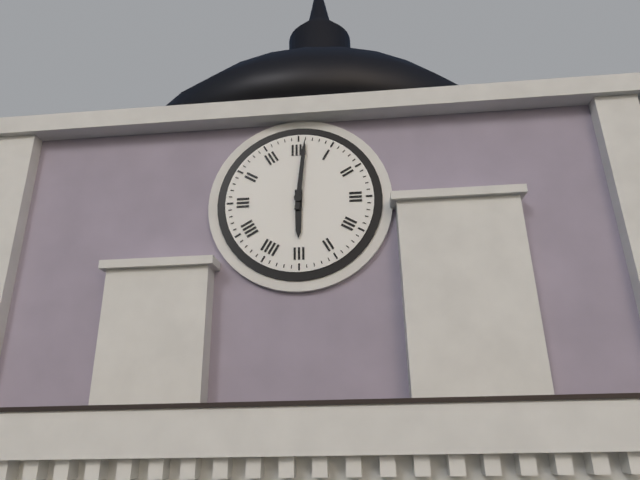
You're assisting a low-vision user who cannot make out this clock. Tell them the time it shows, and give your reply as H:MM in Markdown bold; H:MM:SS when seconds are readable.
**6:01**
